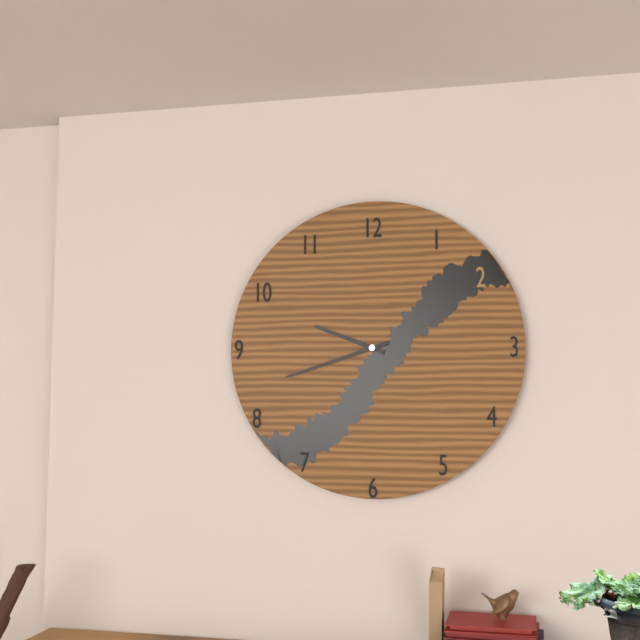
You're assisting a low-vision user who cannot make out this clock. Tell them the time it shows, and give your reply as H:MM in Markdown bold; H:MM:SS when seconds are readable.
**9:42**
